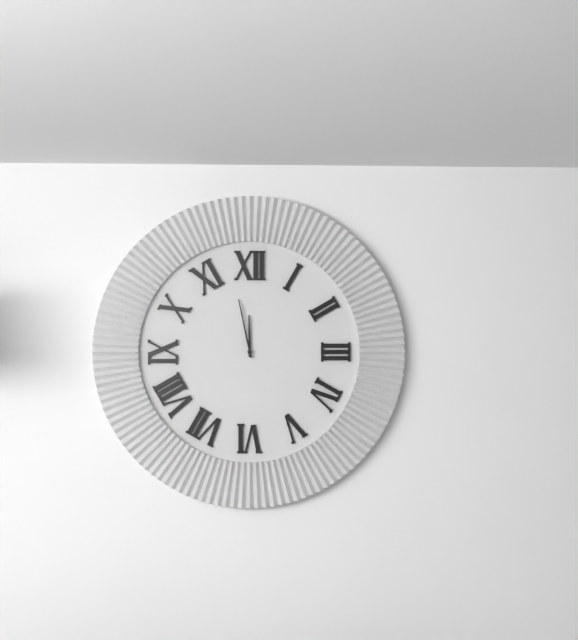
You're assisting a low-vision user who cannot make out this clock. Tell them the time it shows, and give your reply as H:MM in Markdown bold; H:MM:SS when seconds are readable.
**11:58**
